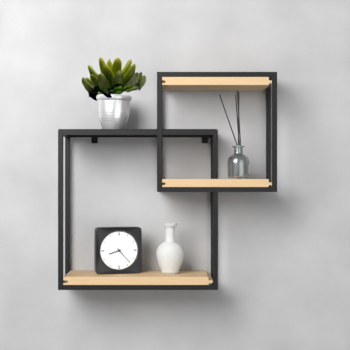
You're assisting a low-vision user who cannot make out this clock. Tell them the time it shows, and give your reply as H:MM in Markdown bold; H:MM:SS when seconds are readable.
**8:23**
